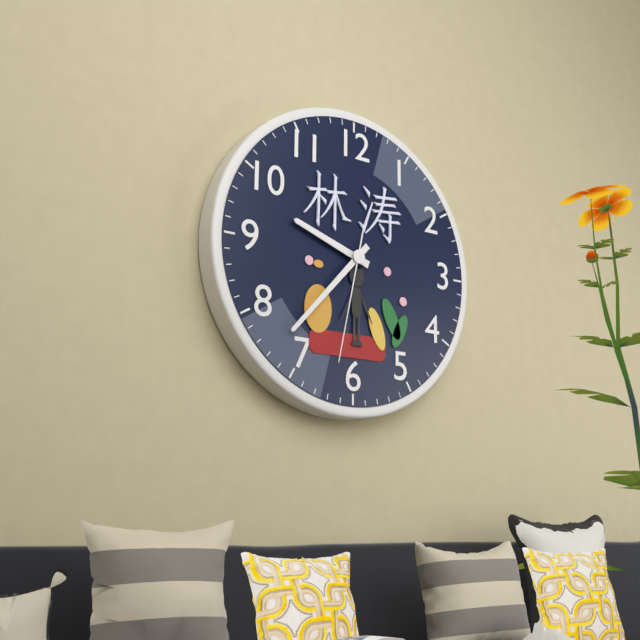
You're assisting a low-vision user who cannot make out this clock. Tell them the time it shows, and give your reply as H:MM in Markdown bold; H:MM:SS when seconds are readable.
**9:37:32**
